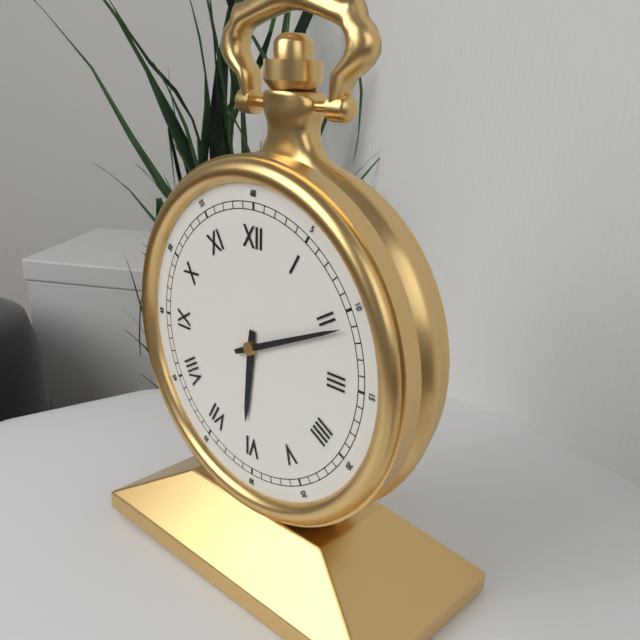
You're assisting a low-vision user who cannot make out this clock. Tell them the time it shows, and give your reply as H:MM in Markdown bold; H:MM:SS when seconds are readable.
**6:11**
